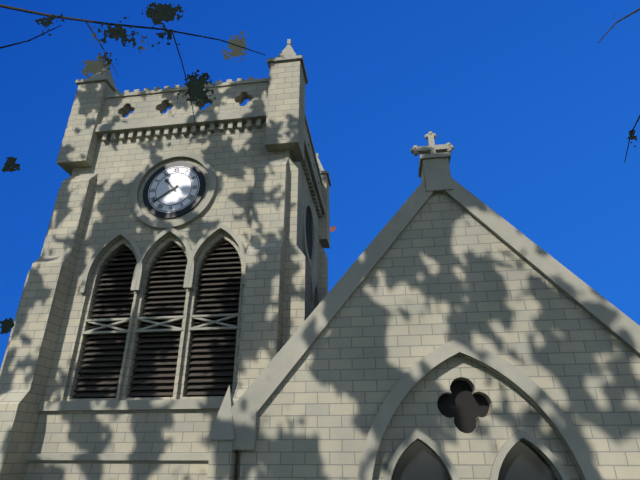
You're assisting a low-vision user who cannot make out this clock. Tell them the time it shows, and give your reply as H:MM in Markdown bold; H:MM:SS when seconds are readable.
**10:39**
